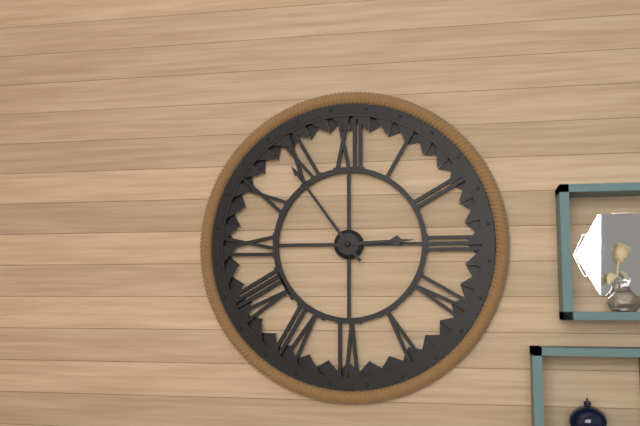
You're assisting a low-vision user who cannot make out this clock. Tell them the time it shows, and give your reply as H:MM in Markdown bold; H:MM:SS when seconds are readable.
**2:54**
